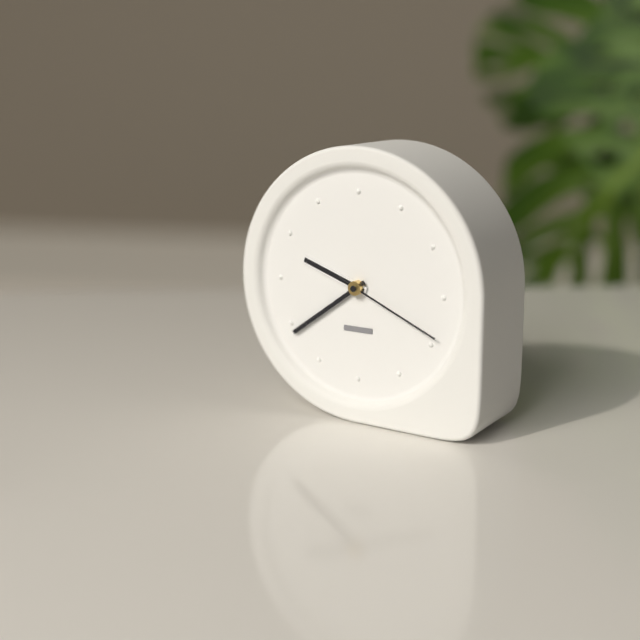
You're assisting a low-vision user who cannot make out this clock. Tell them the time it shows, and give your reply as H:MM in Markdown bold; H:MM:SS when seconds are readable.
**9:39:19**
